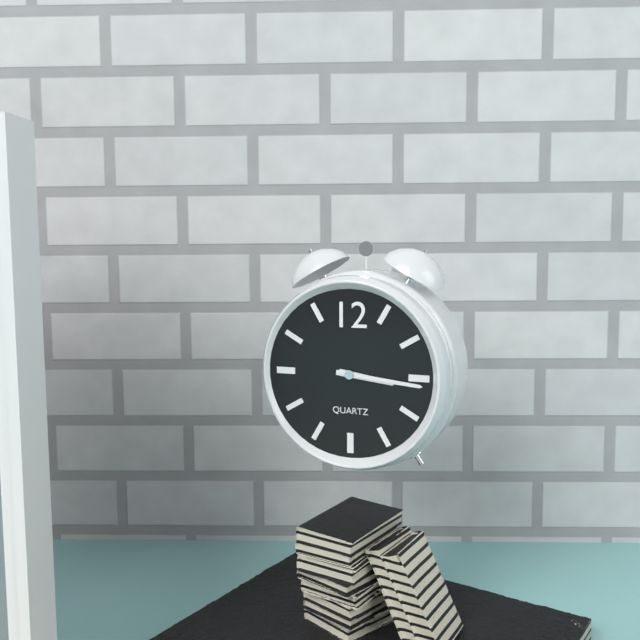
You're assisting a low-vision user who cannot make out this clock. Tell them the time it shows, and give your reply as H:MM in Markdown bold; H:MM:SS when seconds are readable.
**3:16**
